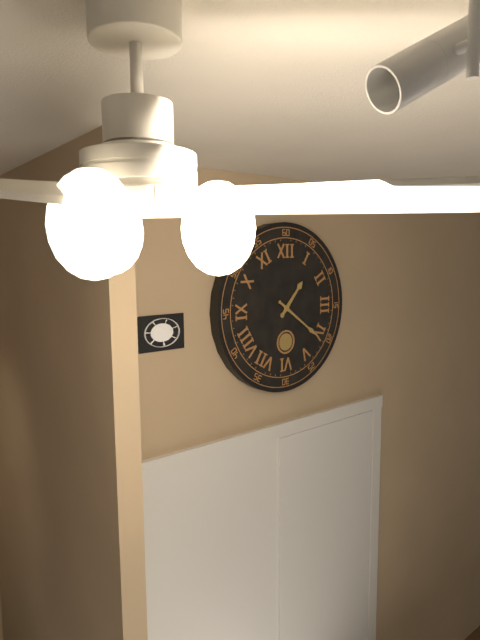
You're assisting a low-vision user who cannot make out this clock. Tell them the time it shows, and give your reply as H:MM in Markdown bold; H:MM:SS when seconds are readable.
**1:21**
